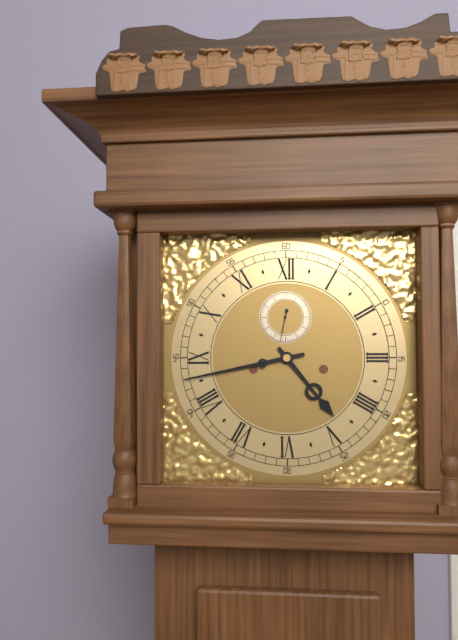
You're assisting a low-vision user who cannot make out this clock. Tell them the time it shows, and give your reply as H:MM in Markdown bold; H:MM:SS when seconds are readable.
**4:43**
